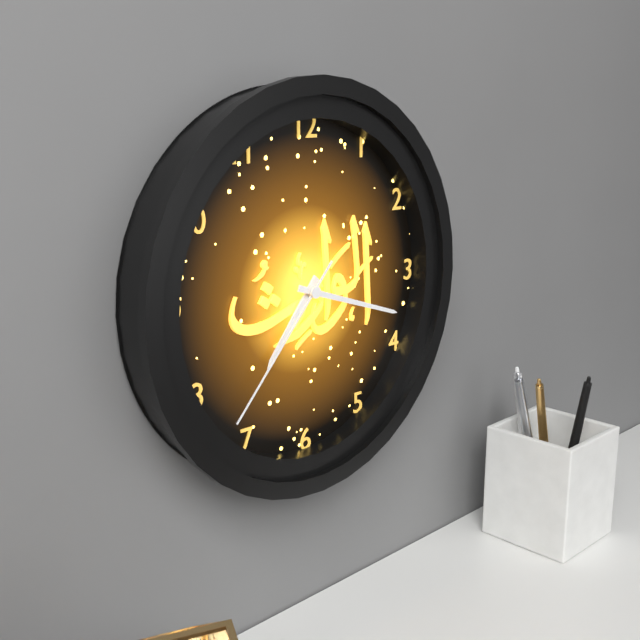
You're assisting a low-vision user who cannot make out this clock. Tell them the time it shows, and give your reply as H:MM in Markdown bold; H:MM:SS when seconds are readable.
**7:18:37**
